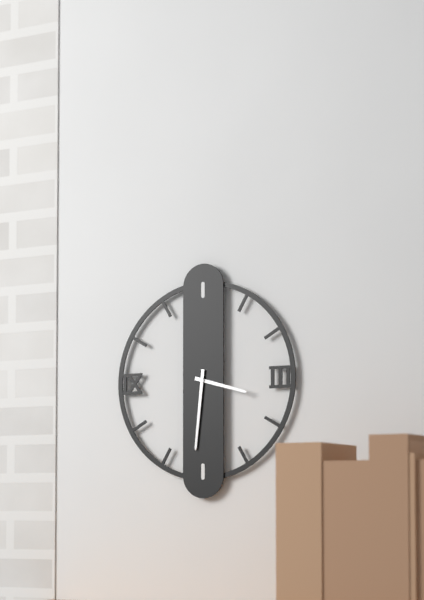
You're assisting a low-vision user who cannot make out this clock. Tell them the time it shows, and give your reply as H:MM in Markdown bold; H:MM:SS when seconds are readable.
**3:31**
